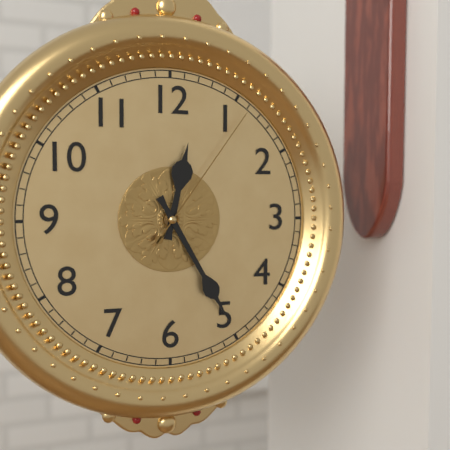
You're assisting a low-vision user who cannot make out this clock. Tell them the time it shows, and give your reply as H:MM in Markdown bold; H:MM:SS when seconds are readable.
**12:25:06**
